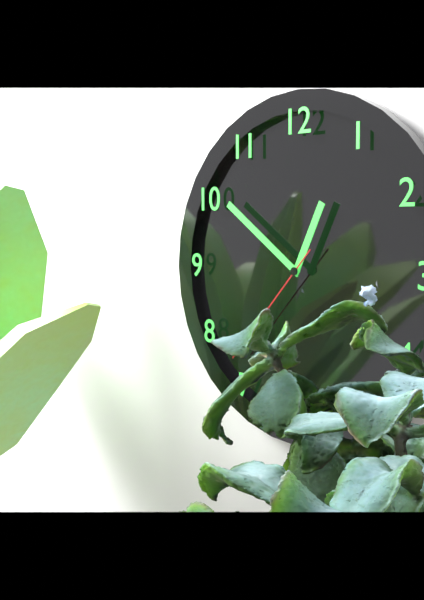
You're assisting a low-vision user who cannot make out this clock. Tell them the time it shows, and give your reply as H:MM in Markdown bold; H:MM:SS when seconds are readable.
**12:51**
